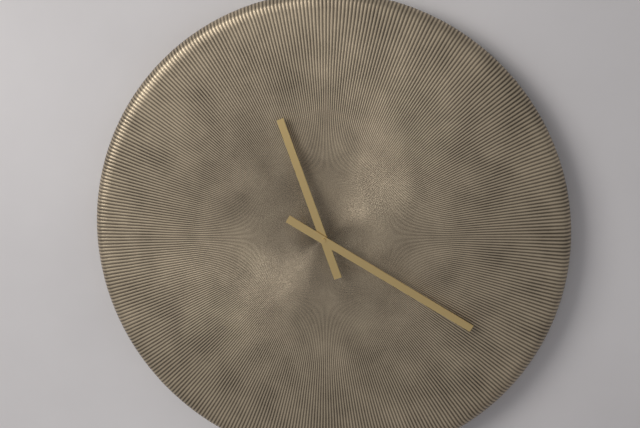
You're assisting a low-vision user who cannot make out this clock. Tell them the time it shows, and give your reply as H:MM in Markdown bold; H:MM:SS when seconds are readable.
**11:20**
